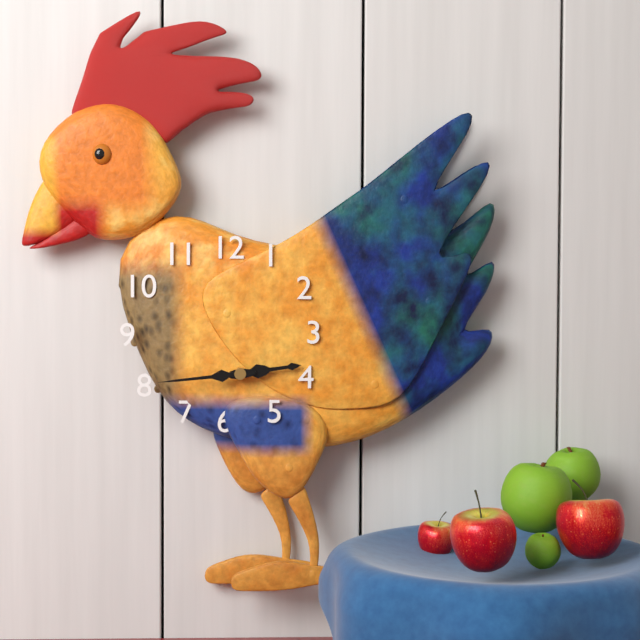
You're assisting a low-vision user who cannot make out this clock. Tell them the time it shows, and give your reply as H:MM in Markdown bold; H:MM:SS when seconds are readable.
**2:44**
